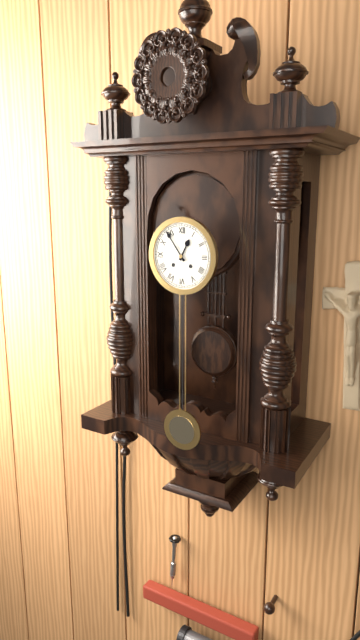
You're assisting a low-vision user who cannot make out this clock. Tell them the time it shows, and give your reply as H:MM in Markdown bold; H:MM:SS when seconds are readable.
**12:54**
